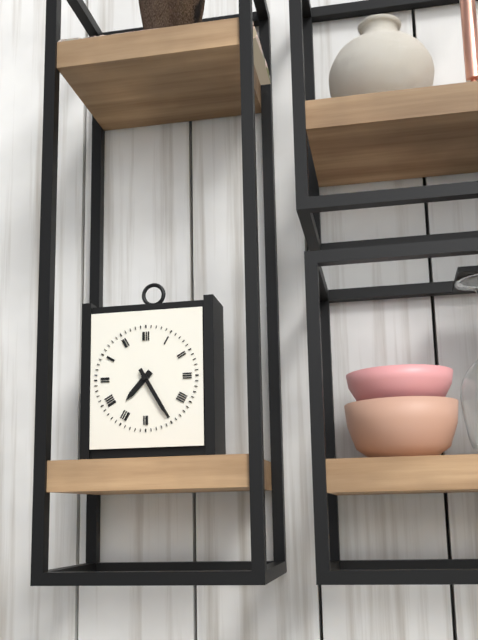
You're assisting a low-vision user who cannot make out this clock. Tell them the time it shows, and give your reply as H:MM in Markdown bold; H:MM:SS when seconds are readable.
**7:25**
